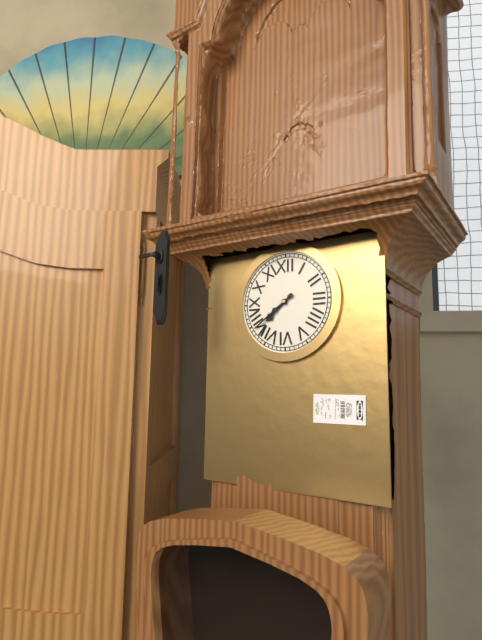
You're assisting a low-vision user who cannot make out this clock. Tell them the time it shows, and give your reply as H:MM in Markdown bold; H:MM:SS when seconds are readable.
**7:39**
